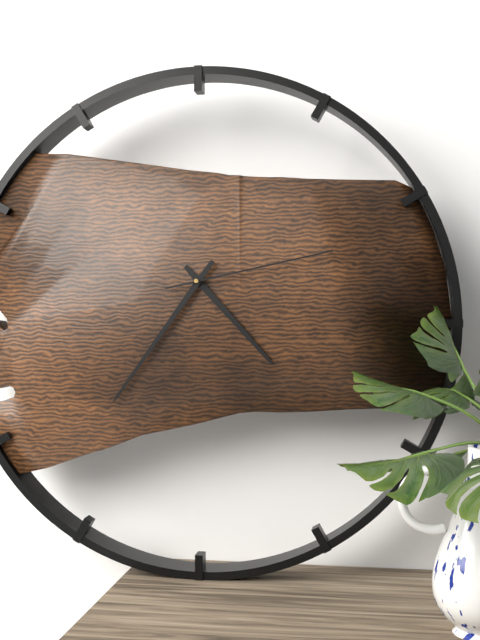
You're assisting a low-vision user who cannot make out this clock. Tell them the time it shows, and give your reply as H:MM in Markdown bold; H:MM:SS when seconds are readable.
**4:36:13**
